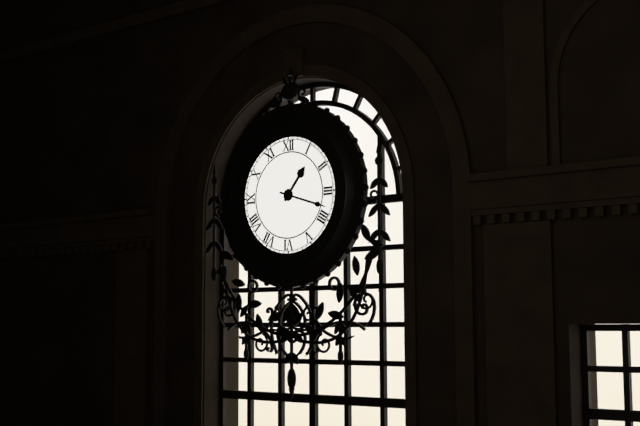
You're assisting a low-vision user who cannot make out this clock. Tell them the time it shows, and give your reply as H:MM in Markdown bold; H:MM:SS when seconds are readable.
**1:18**
